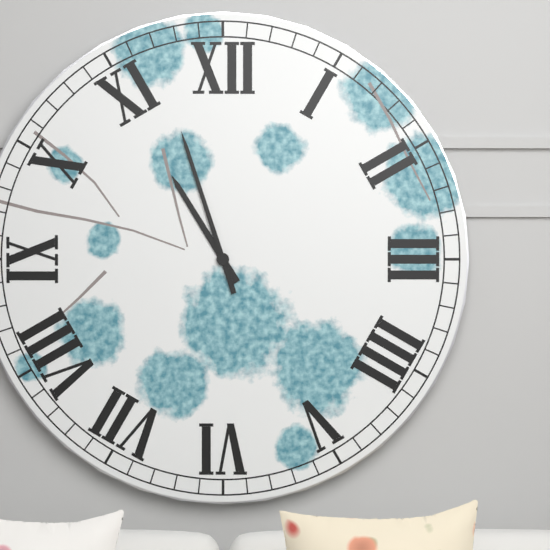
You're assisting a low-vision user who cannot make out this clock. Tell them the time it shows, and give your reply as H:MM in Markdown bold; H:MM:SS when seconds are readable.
**10:57**
